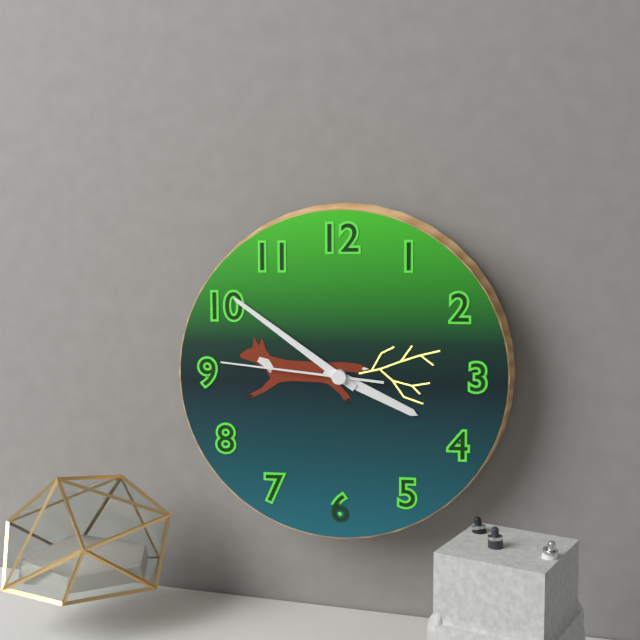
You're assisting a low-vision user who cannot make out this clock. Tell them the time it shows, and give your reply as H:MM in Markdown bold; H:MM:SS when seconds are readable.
**3:51:46**
